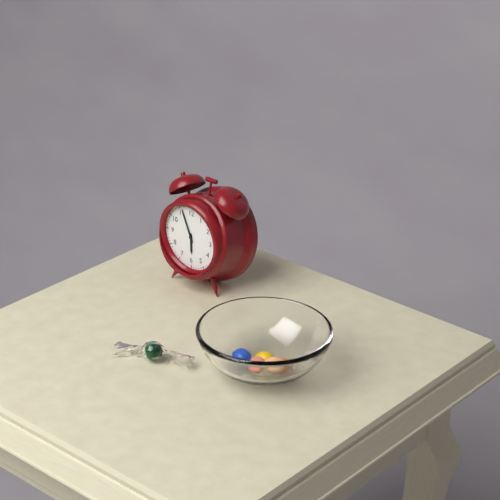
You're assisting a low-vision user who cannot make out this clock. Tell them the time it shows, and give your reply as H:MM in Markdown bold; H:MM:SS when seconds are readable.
**5:56**
